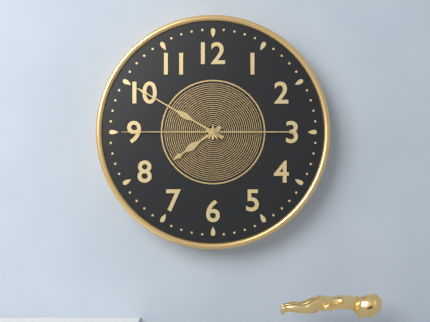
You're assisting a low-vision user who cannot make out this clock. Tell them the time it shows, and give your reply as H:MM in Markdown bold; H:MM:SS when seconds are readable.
**7:50:45**
